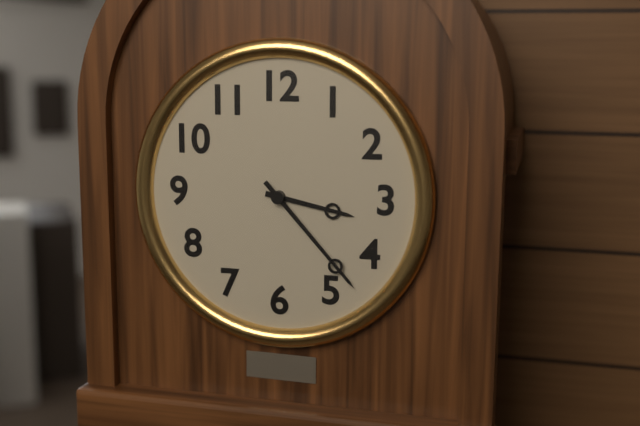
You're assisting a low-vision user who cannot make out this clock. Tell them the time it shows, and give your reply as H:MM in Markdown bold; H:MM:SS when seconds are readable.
**3:23**
